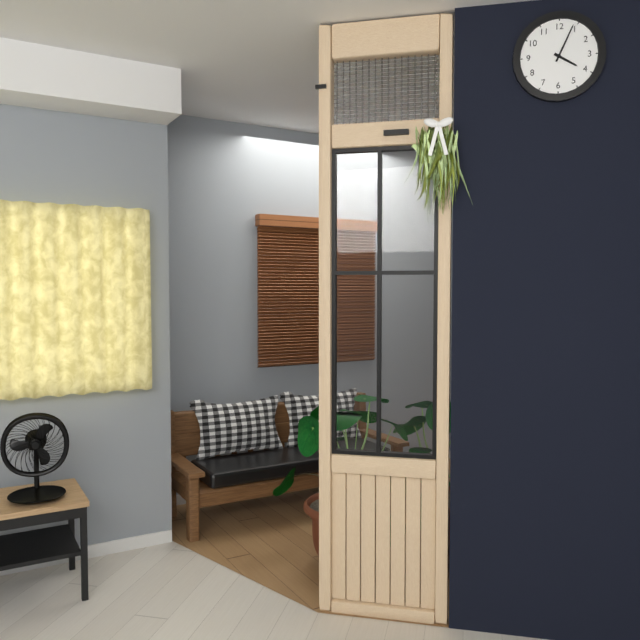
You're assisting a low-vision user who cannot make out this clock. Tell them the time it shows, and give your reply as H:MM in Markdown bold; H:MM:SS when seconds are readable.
**4:04**
